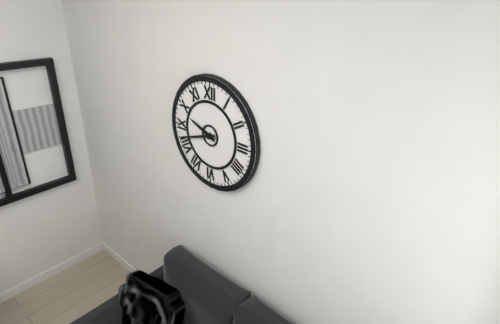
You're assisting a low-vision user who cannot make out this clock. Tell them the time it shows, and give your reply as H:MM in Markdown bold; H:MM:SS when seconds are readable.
**9:42**
